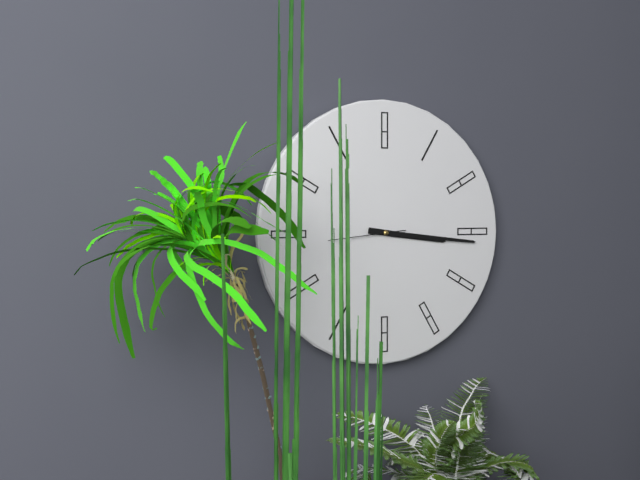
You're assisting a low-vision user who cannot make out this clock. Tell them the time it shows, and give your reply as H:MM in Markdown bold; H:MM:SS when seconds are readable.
**3:16:44**
